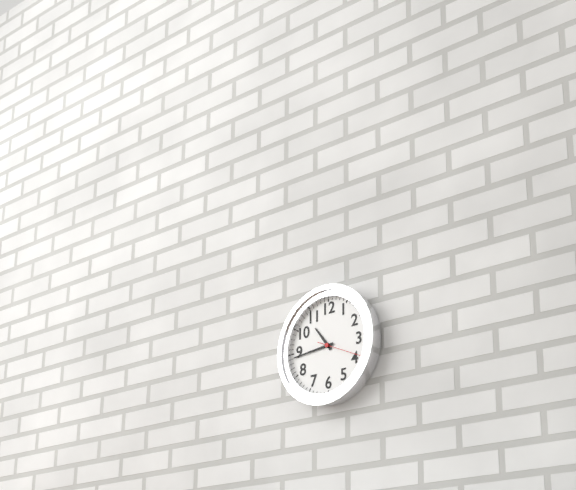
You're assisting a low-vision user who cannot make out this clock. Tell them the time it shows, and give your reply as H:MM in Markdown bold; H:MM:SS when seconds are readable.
**10:44**
